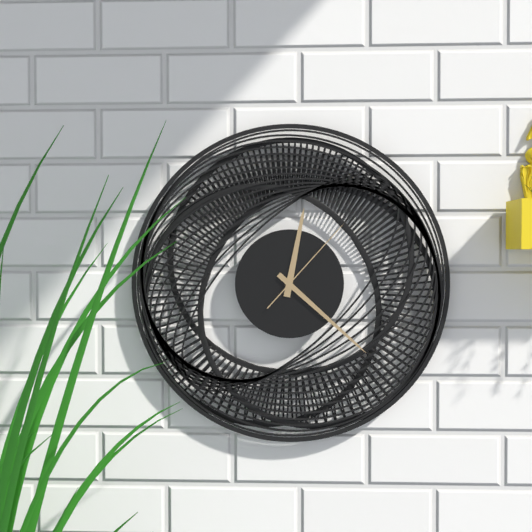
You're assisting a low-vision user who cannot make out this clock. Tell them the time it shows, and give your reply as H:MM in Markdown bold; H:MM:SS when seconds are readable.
**12:22:07**
